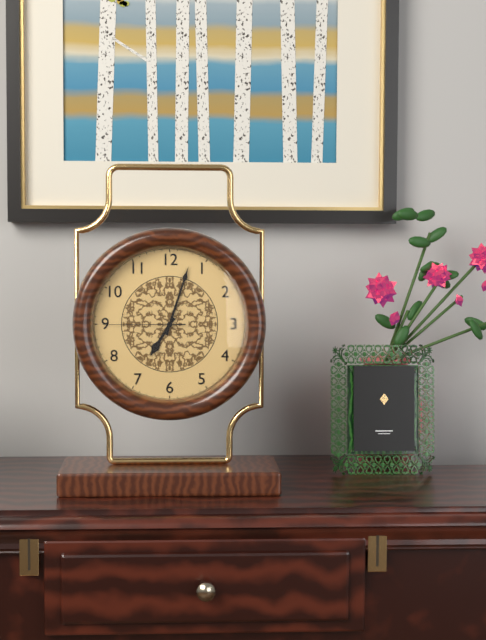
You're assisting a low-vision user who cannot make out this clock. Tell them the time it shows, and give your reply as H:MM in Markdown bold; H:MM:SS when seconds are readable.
**7:03:45**
